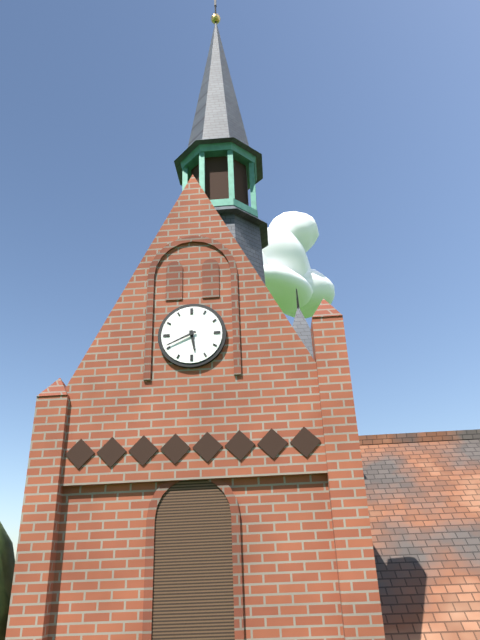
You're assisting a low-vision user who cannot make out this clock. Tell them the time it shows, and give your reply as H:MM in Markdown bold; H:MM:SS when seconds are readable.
**5:41**
